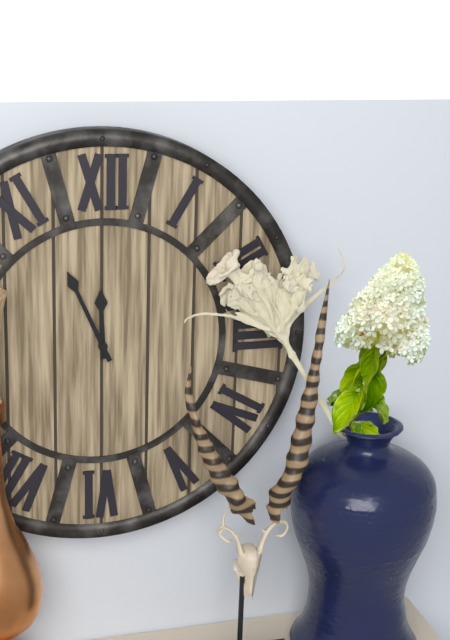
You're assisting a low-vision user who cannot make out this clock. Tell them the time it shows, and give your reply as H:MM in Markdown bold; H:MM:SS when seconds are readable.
**11:56**
